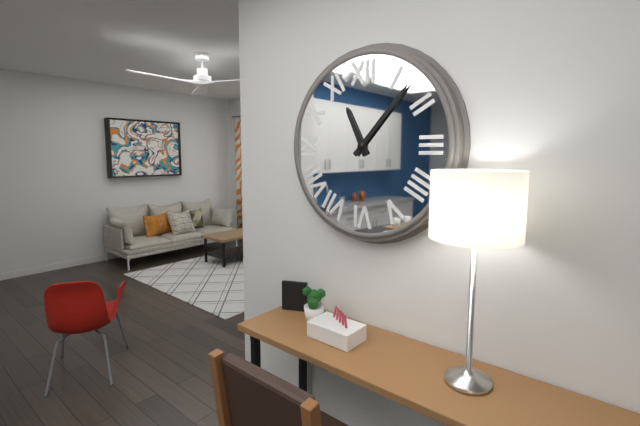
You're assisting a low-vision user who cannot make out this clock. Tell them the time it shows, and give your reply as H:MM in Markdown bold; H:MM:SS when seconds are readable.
**11:07**
